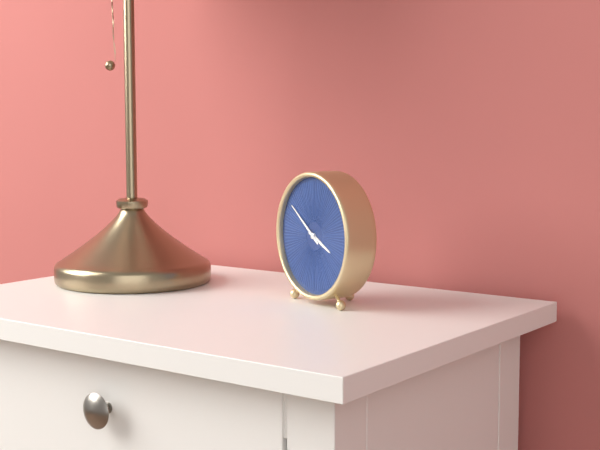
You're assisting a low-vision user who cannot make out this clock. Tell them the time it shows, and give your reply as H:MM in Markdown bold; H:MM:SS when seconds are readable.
**3:51**
